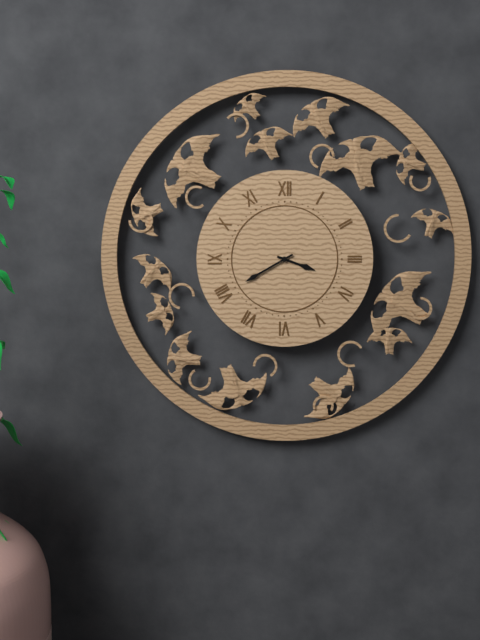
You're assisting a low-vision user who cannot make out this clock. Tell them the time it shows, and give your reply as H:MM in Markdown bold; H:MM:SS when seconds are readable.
**3:40**
